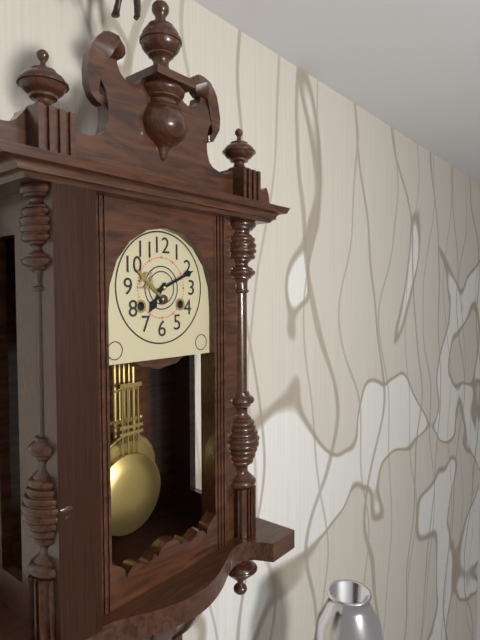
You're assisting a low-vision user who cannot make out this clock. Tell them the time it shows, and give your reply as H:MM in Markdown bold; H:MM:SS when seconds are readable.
**7:11**
